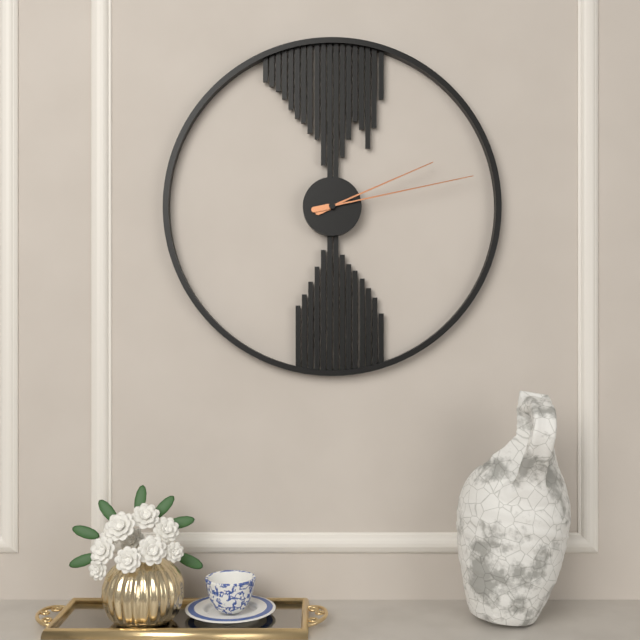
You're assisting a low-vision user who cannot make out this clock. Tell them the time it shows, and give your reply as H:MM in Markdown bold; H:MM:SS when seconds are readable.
**2:13**
